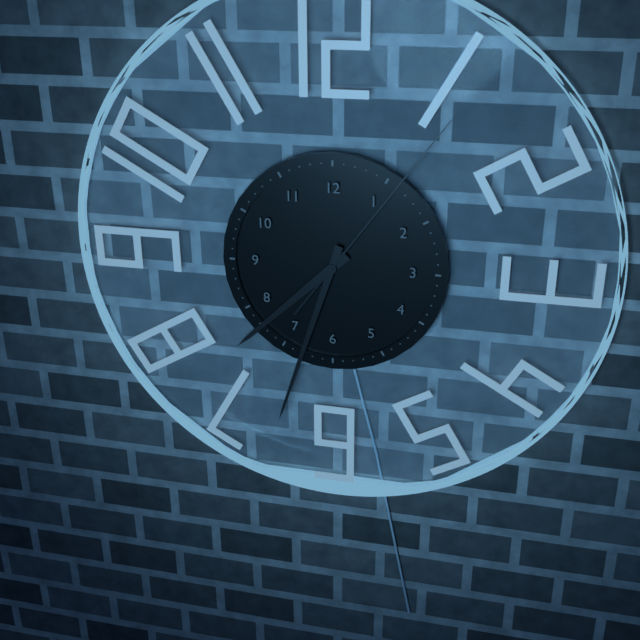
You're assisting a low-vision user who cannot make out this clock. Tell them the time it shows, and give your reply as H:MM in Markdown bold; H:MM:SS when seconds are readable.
**7:33:06**
